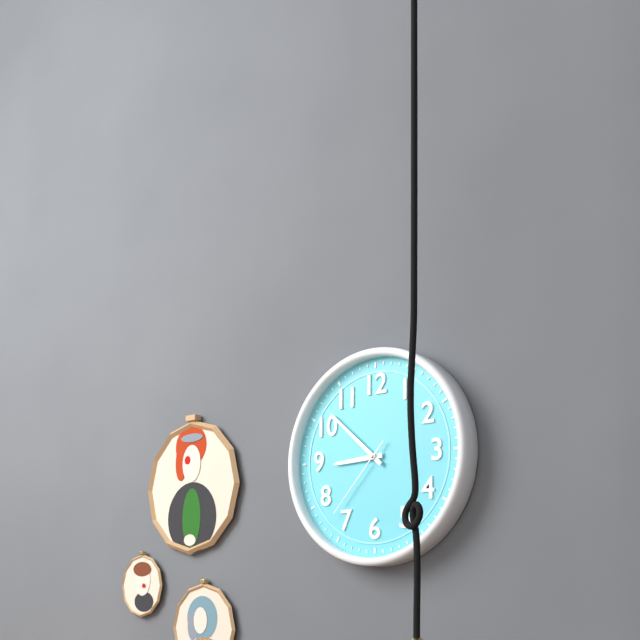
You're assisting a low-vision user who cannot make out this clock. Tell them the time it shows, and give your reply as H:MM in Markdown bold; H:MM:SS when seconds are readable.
**8:52:37**
